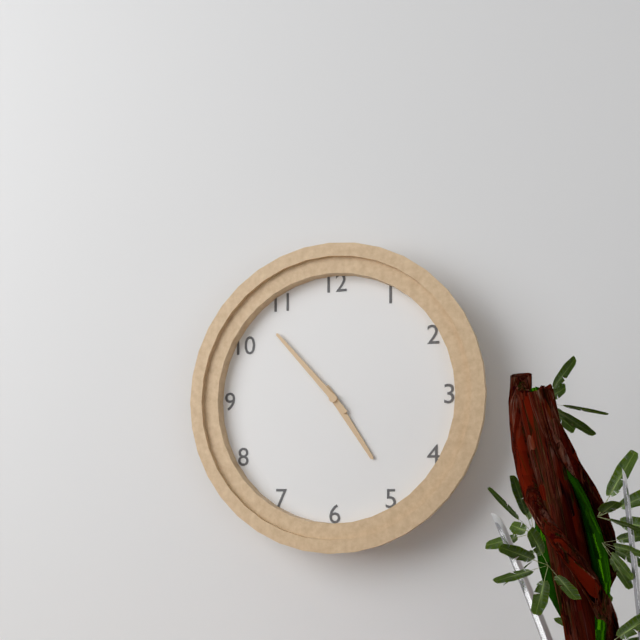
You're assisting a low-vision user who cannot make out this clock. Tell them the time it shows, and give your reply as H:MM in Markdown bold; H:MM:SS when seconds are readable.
**4:53**
